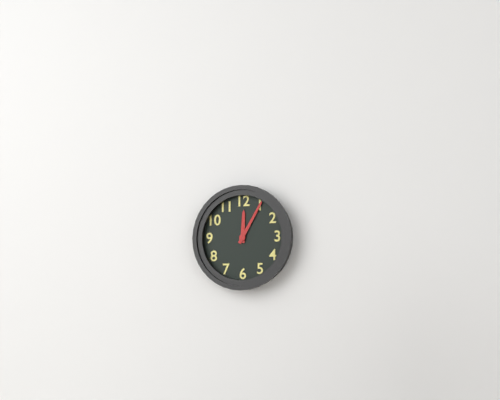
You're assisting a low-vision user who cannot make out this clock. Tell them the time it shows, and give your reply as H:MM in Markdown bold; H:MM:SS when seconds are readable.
**12:05**
